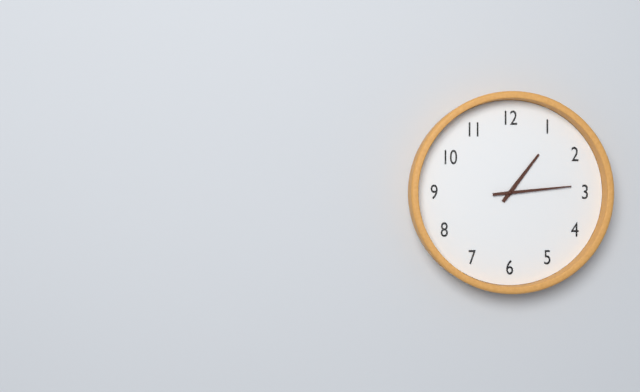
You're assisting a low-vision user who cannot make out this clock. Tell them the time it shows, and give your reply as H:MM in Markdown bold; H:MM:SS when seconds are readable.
**1:14**
